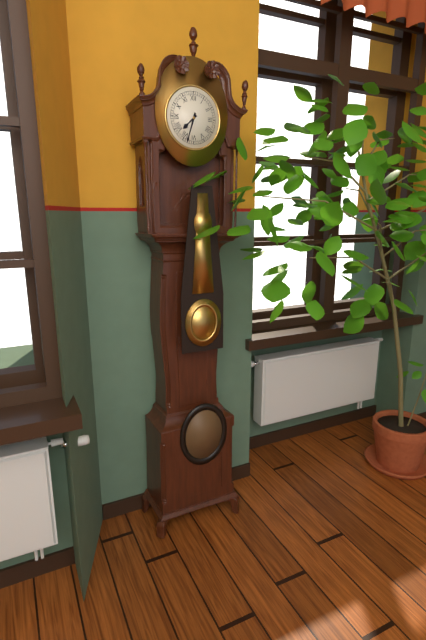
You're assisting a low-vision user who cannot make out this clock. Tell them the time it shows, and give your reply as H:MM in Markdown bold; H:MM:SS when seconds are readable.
**7:33**
